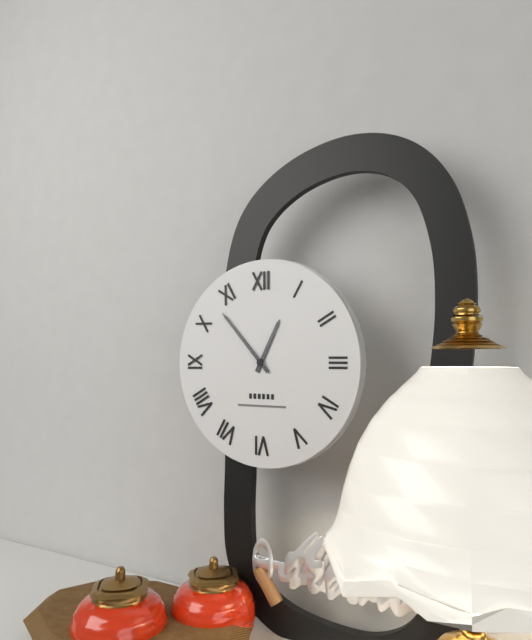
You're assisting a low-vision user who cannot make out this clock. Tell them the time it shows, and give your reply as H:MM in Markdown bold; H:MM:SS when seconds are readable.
**12:53**
